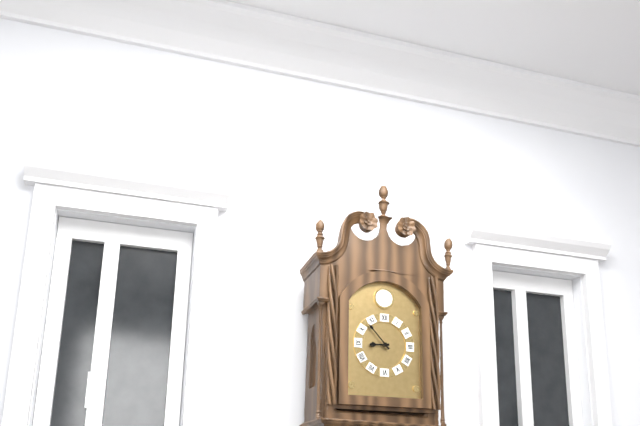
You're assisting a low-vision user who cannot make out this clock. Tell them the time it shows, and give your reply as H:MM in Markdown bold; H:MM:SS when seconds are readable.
**8:53**
